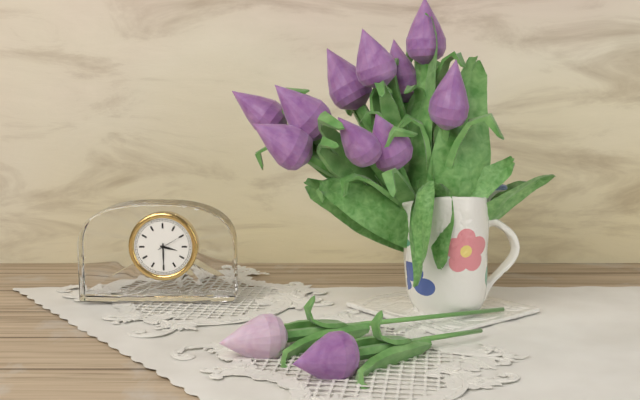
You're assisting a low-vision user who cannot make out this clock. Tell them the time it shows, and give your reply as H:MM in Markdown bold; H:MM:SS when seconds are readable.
**3:30**
